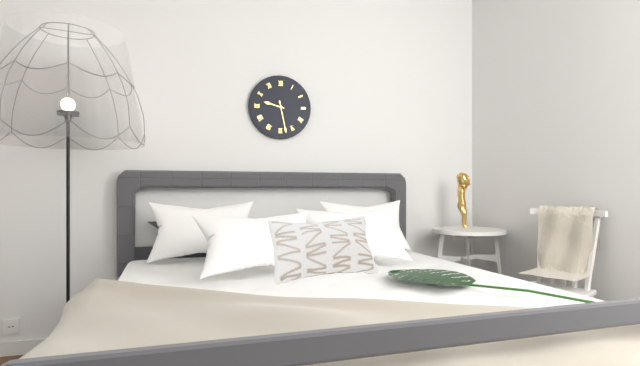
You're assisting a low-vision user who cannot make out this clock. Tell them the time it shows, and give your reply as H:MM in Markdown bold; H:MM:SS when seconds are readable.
**9:28**
